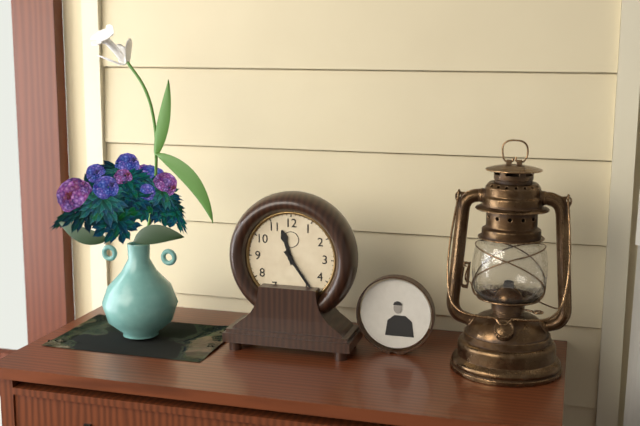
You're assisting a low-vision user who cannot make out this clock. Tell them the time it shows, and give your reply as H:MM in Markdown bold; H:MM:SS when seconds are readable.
**11:24**
